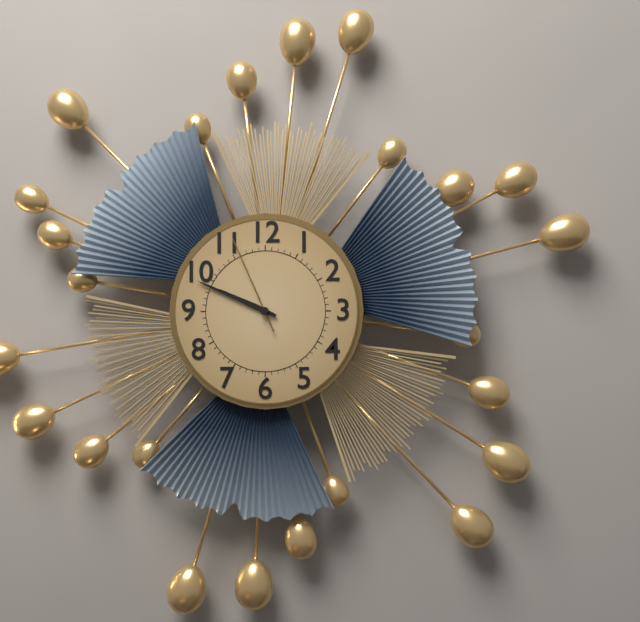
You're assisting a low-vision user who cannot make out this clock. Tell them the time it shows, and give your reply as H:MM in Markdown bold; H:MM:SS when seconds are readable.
**9:49:56**
